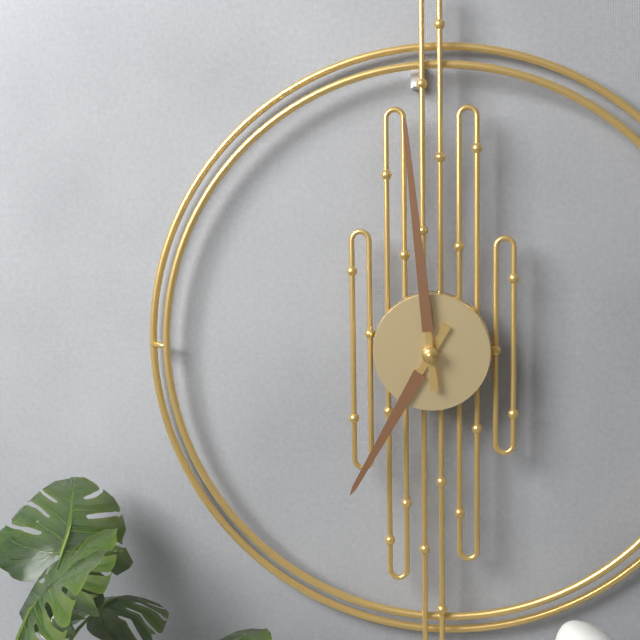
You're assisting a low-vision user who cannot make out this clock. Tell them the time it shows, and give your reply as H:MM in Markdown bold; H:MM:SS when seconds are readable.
**6:59**
